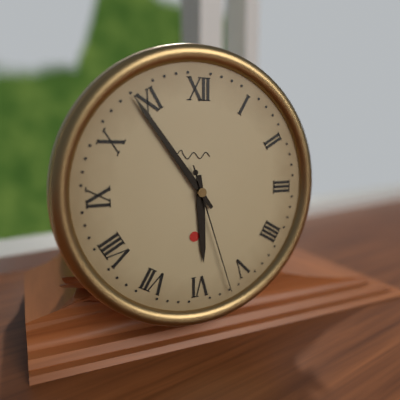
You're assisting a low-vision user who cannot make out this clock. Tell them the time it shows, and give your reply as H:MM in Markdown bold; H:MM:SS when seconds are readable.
**5:54:27**
